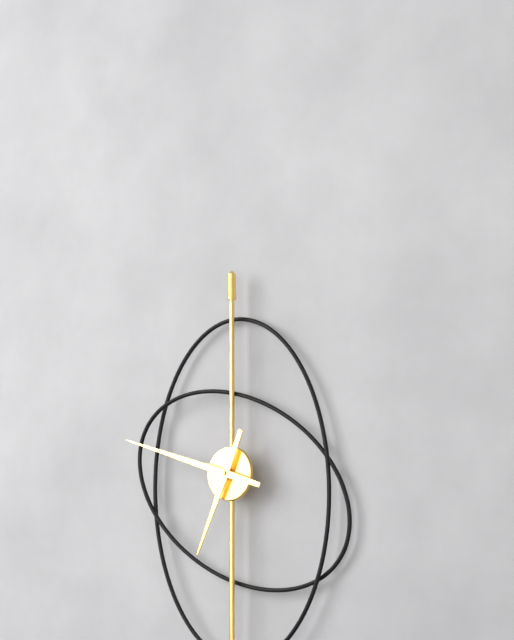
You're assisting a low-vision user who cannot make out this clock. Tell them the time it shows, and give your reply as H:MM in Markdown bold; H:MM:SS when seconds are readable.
**6:48**
